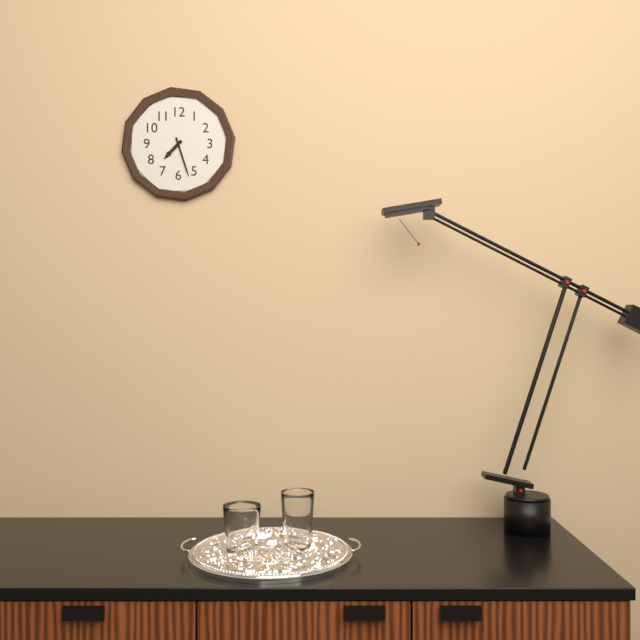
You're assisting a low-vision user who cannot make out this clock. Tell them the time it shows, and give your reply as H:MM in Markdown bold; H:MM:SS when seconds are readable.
**7:27**
